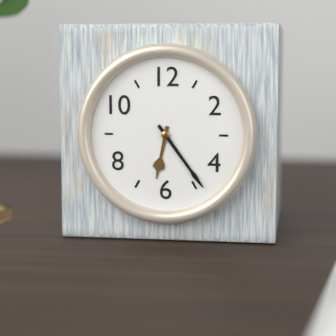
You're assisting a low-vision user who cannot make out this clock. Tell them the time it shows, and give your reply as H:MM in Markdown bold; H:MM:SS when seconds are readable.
**6:24**
